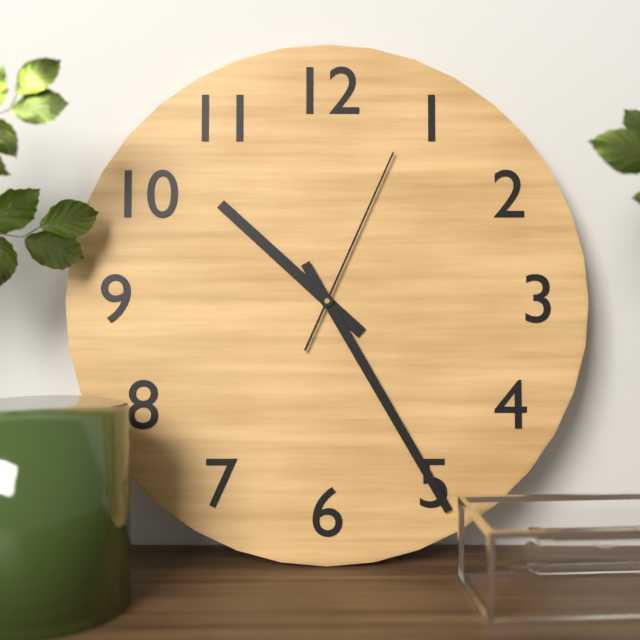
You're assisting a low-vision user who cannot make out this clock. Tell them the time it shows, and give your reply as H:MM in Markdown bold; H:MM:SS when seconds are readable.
**10:25:04**
